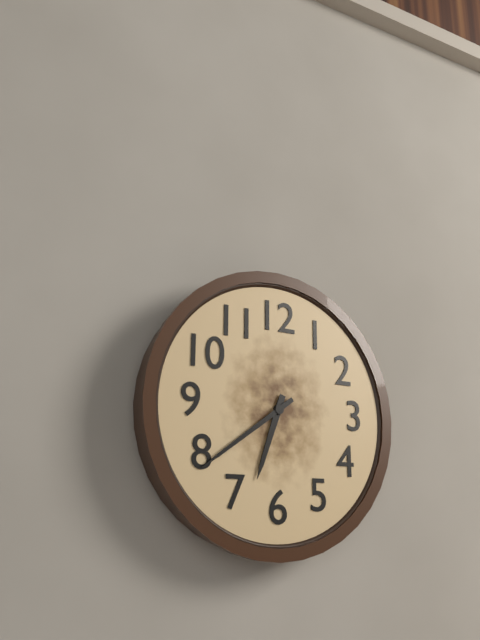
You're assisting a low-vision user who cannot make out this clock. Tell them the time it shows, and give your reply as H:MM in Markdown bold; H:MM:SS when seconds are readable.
**6:39**
